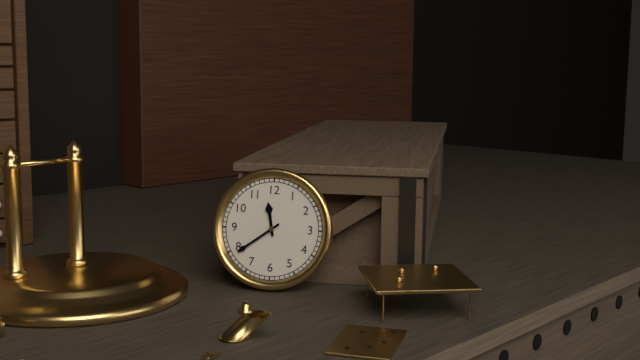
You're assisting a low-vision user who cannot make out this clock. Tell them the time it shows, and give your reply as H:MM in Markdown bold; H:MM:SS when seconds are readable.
**11:39**
